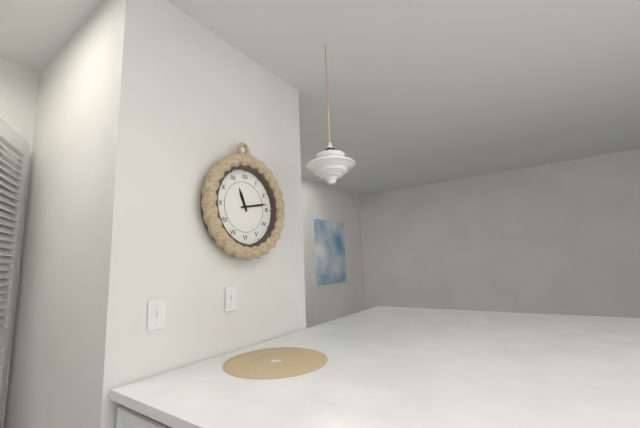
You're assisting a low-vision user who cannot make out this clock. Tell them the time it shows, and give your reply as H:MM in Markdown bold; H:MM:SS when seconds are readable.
**11:13**
